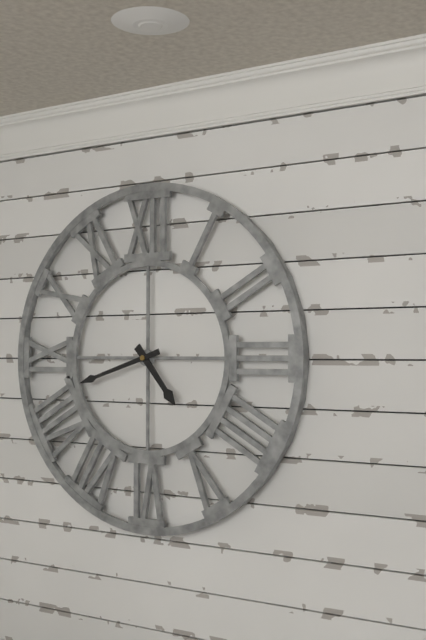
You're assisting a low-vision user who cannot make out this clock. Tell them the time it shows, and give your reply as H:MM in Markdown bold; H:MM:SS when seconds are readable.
**4:42**
